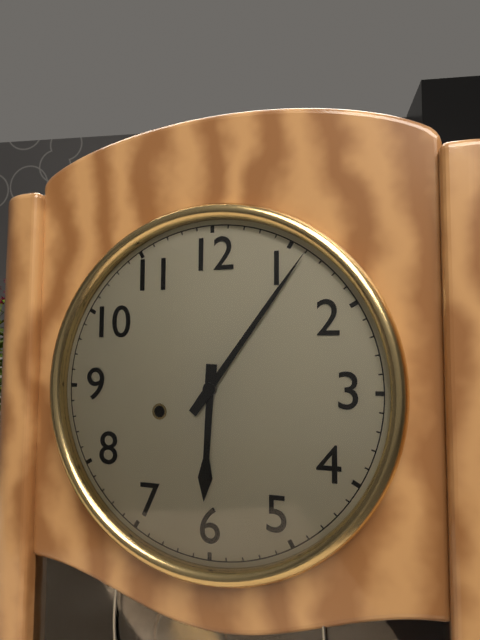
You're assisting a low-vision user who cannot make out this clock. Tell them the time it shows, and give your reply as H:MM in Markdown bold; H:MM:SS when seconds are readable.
**6:06**
